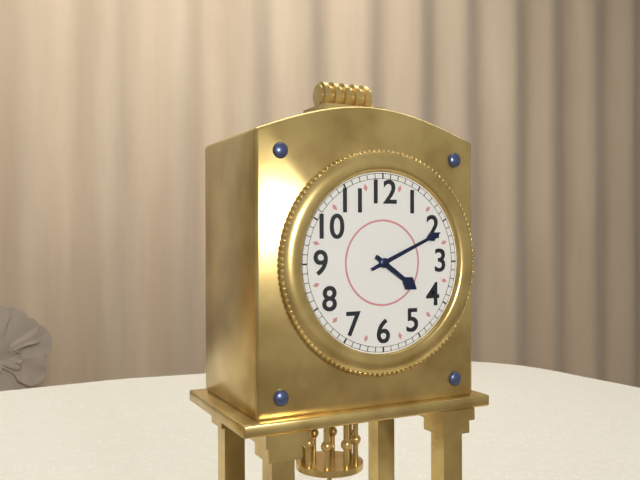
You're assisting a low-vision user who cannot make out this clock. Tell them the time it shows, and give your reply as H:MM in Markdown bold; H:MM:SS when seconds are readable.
**4:11**
